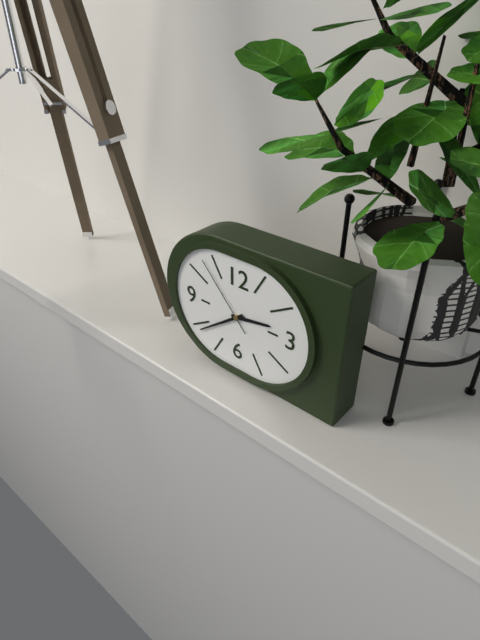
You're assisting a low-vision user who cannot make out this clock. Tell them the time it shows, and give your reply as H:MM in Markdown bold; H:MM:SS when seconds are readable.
**2:39:53**
